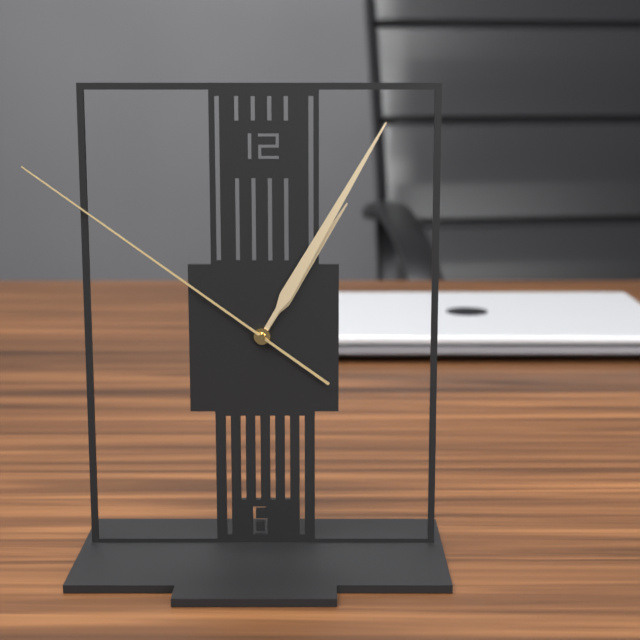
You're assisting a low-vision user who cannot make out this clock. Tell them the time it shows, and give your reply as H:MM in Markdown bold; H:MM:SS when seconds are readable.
**1:05:51**
